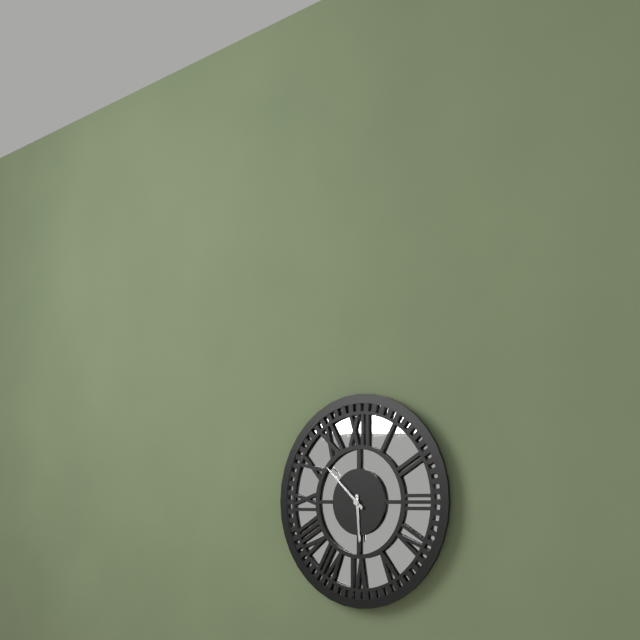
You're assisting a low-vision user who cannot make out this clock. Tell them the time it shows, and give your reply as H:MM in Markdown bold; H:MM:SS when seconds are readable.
**5:52**
